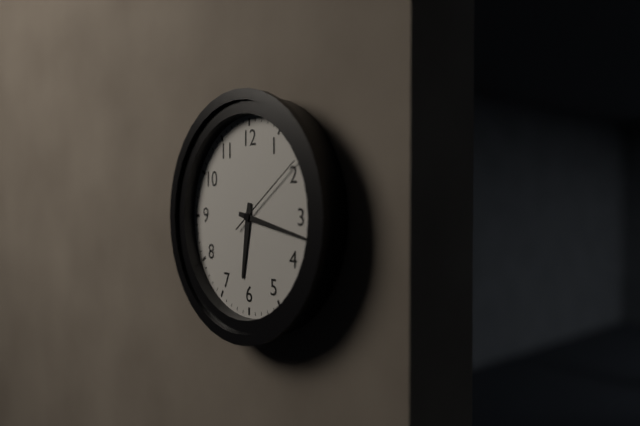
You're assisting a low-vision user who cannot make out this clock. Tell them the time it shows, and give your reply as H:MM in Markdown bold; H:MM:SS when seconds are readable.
**6:17:09**
